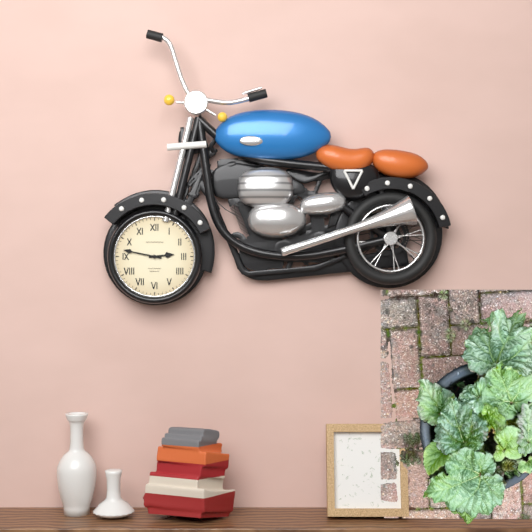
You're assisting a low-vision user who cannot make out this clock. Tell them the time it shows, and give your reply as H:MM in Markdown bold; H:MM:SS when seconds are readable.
**2:47**
